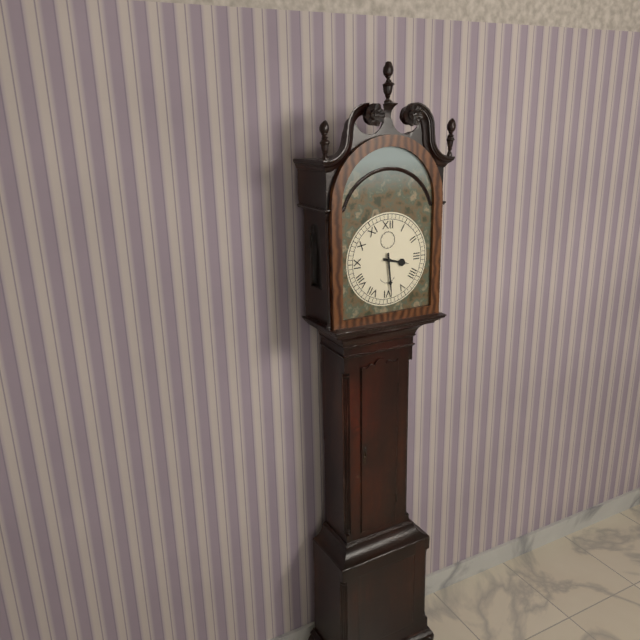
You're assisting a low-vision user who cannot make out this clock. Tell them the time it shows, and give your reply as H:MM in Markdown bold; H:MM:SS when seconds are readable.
**3:29**
